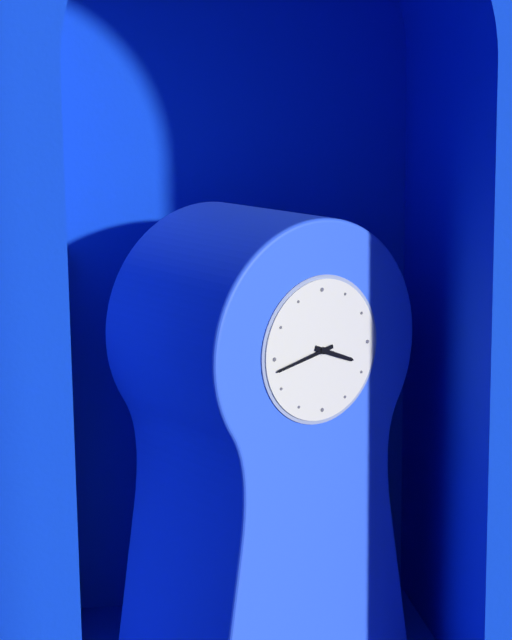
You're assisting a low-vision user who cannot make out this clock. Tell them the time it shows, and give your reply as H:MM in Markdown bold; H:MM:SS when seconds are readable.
**3:43**
